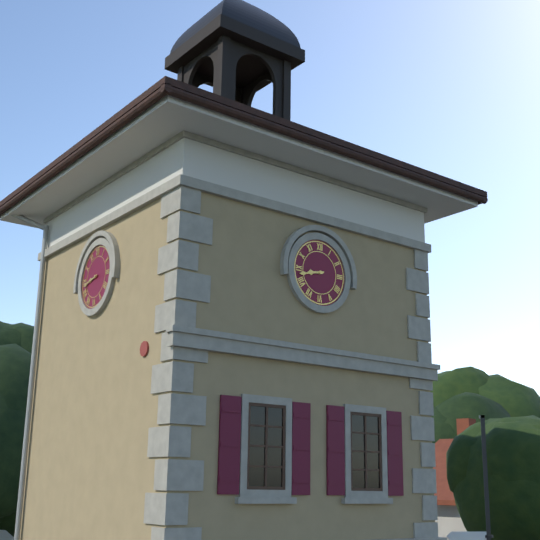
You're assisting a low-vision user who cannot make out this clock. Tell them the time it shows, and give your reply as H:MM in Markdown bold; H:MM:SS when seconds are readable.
**8:43**
